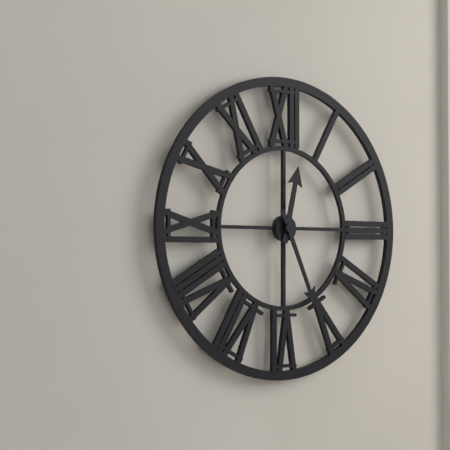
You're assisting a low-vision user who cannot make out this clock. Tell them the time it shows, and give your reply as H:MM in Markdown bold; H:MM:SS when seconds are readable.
**12:26**
